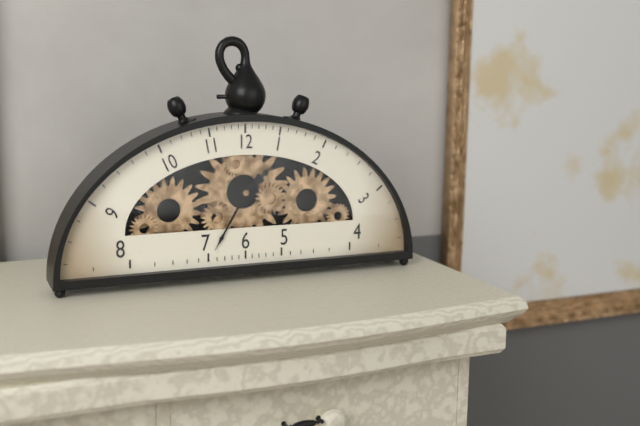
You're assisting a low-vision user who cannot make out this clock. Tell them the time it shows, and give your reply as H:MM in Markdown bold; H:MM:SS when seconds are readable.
**1:35**
